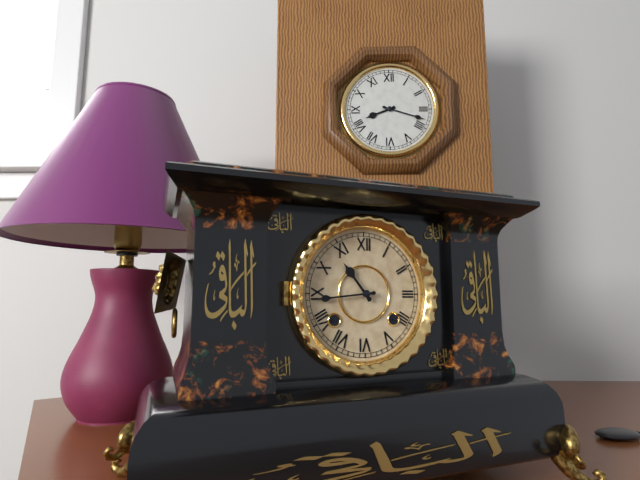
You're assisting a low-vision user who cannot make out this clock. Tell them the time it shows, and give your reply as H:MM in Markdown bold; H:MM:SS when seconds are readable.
**10:44**
